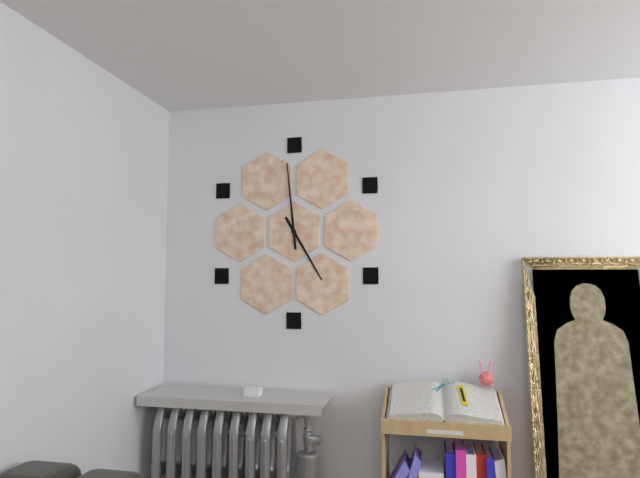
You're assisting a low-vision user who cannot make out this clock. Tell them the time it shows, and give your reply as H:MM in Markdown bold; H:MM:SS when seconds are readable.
**4:59**
